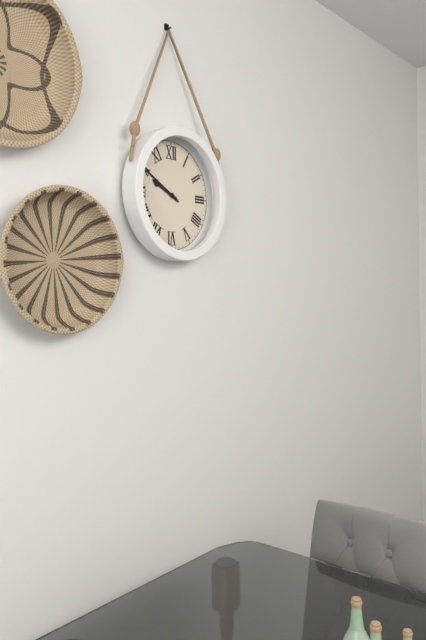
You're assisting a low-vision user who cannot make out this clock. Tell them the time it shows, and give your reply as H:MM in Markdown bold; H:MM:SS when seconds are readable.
**9:50**
